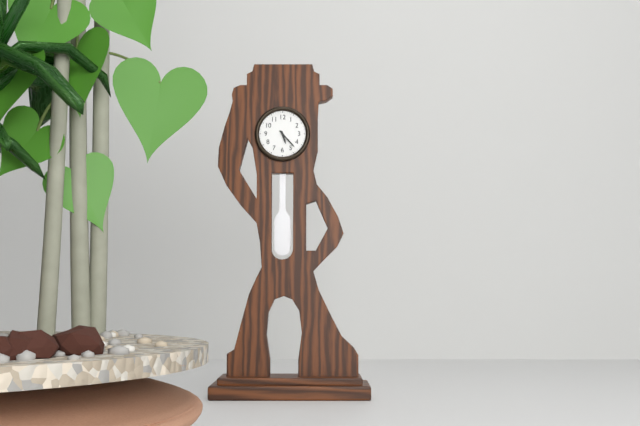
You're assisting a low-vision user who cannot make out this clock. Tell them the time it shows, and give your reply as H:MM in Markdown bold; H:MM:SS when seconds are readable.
**5:23**
